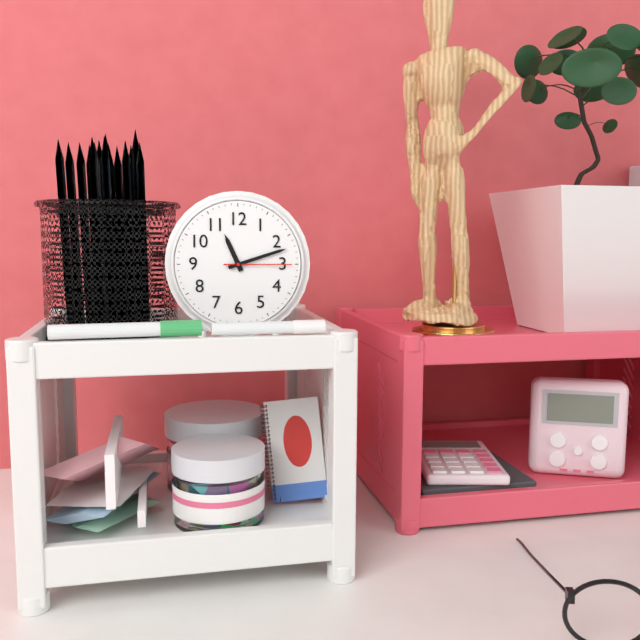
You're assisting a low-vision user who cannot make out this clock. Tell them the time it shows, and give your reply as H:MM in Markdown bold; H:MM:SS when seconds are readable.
**11:12:15**
